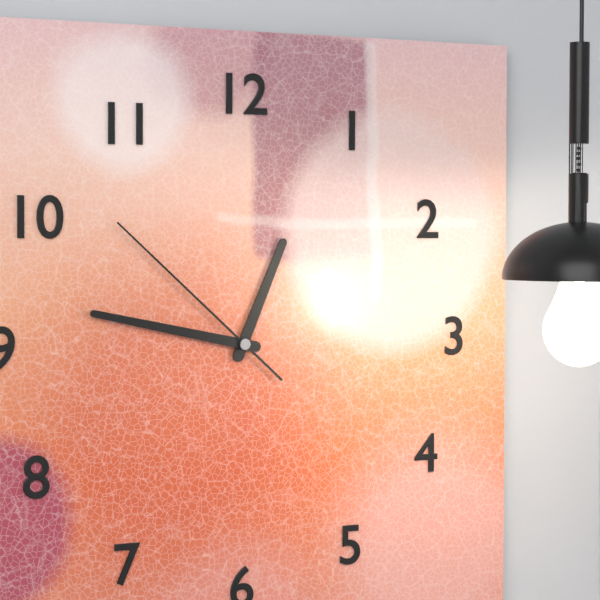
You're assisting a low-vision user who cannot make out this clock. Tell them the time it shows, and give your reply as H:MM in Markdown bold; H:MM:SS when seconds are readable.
**12:47:52**
